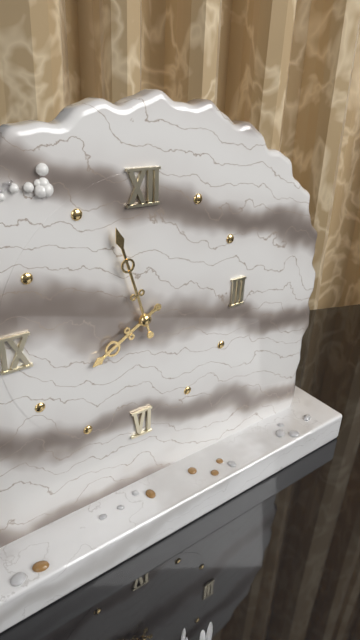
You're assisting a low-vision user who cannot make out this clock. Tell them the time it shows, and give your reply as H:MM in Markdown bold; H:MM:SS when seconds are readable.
**7:57**
